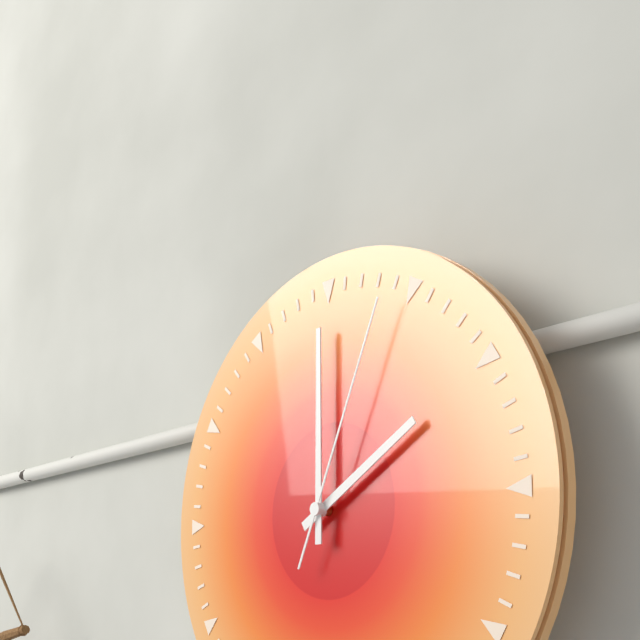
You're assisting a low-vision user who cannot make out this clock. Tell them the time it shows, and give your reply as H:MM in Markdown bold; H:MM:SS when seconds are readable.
**2:00:04**
